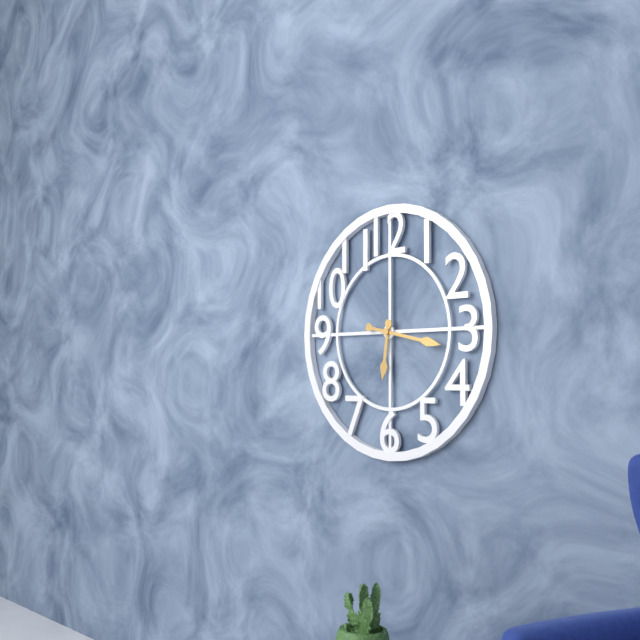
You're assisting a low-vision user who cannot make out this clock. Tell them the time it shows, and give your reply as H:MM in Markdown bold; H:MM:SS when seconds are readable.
**6:17**
